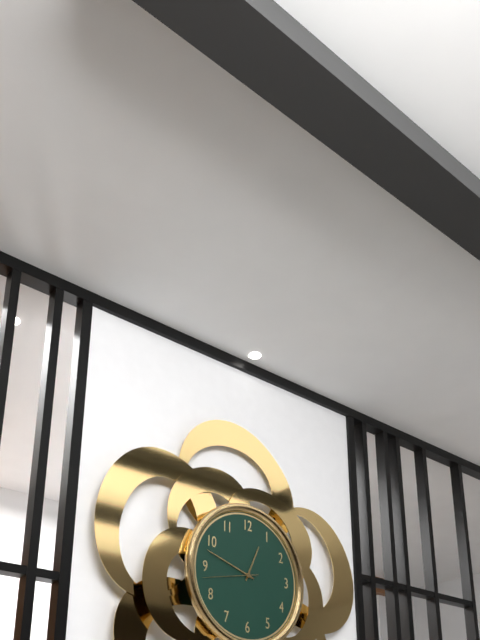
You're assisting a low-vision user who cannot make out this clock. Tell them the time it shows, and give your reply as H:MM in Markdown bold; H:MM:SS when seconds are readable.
**12:48:43**
